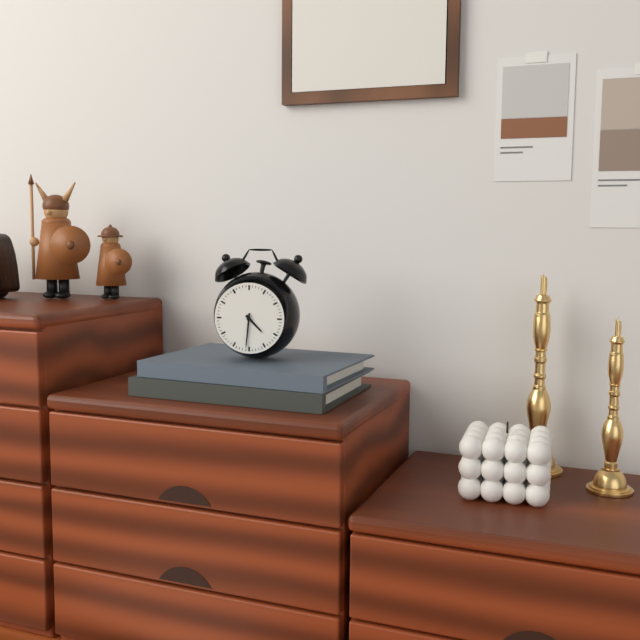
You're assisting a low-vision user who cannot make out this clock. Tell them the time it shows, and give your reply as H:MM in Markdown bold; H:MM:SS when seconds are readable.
**4:31**
